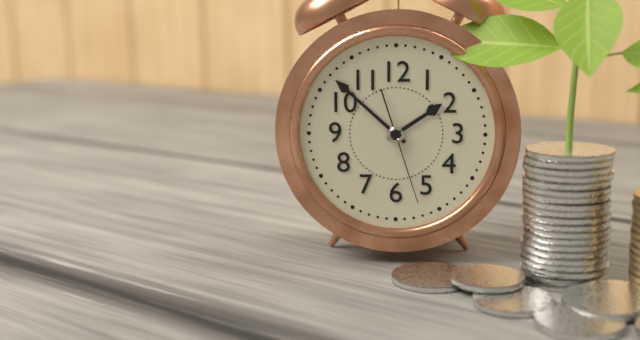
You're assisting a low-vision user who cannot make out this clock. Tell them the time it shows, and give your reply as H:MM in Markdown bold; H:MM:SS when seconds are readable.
**1:52:27**
